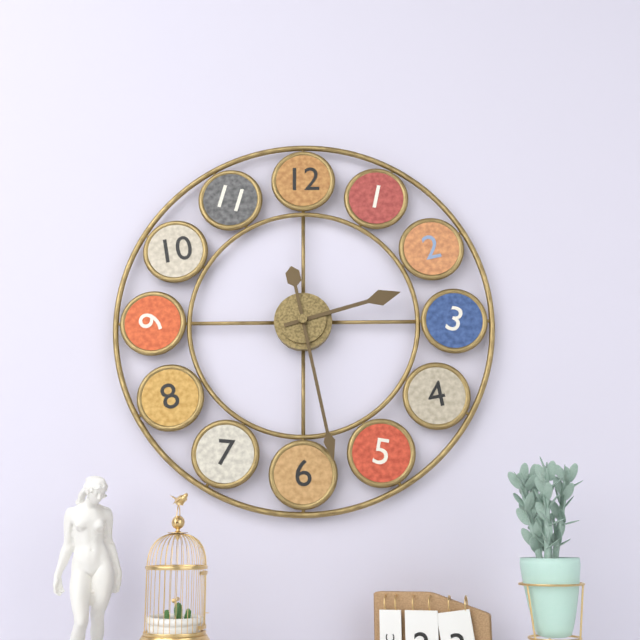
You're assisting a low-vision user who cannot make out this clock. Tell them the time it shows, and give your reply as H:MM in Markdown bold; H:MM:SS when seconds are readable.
**2:28**
